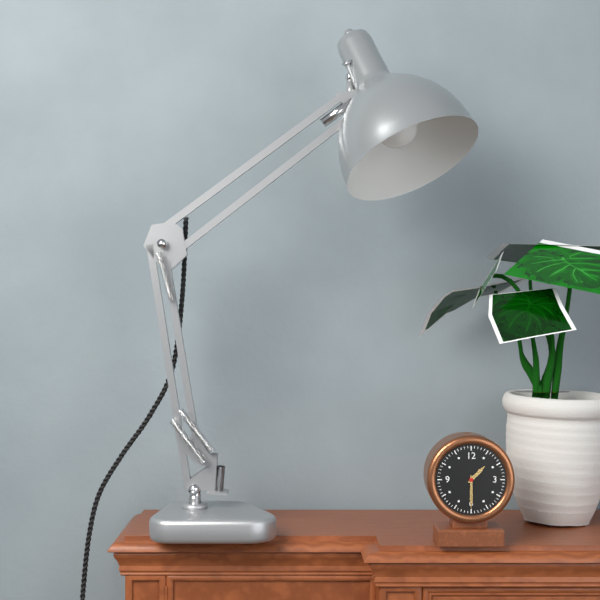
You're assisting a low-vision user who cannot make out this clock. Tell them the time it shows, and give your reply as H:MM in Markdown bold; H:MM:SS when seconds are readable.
**1:30**
